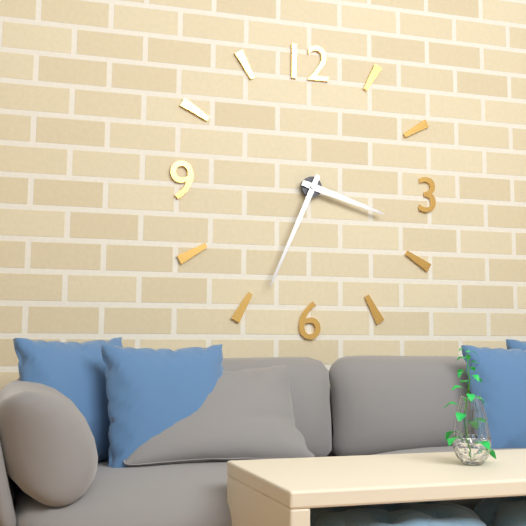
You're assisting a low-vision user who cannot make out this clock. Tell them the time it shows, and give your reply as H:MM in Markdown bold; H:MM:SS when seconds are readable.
**3:34**
